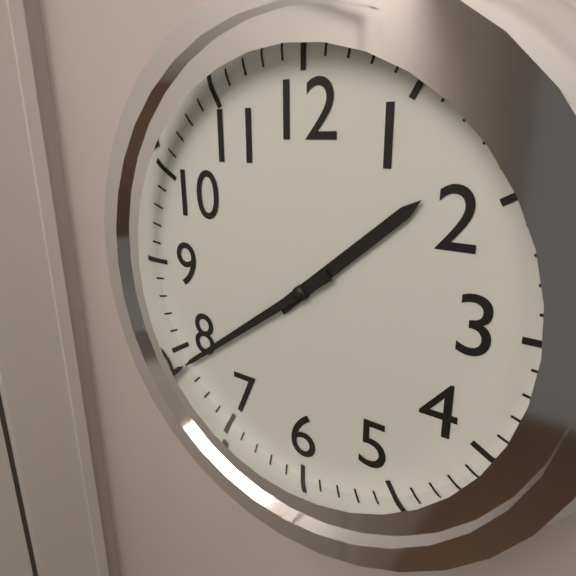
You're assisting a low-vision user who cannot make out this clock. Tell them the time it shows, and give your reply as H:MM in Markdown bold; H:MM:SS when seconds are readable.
**1:39**
